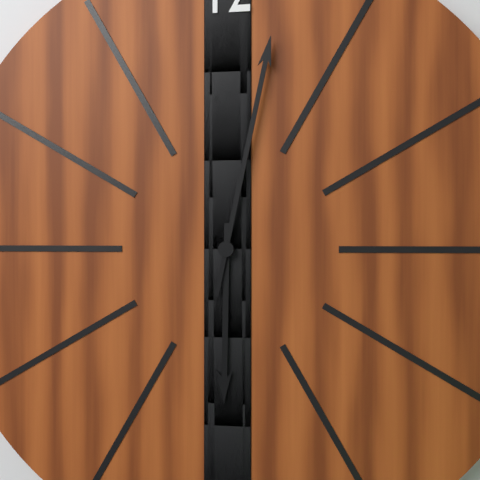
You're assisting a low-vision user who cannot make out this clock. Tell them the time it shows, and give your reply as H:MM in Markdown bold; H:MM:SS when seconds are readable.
**6:02**
